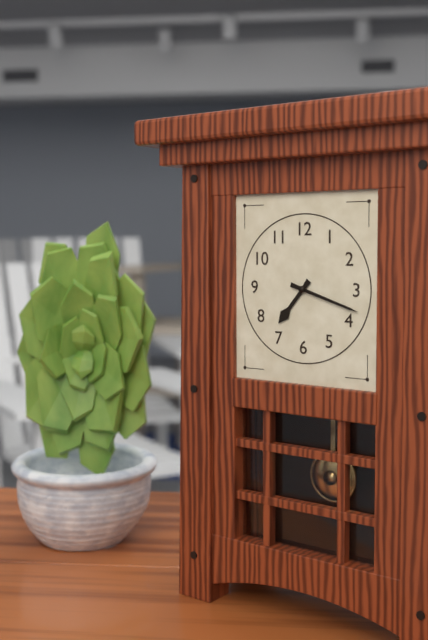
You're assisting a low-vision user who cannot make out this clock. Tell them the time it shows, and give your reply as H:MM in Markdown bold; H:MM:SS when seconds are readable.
**7:18**
